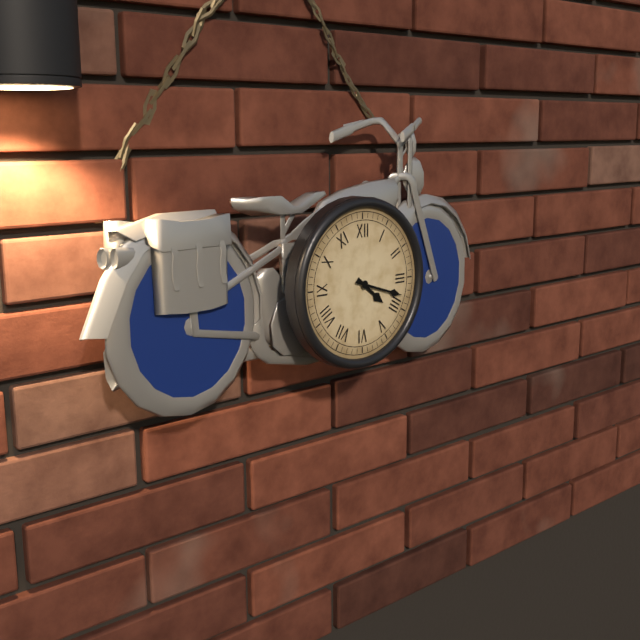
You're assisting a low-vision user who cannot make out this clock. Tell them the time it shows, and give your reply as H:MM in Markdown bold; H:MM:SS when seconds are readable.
**4:18**
